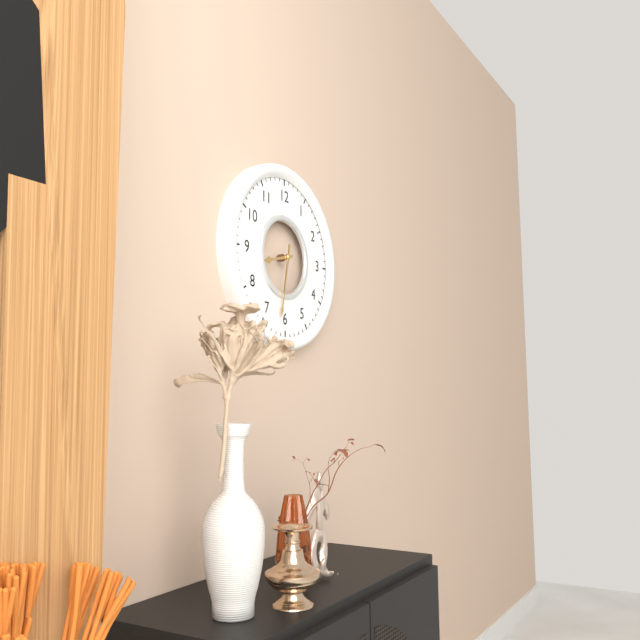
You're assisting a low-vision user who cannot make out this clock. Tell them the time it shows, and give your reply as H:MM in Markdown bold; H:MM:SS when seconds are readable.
**8:32**
